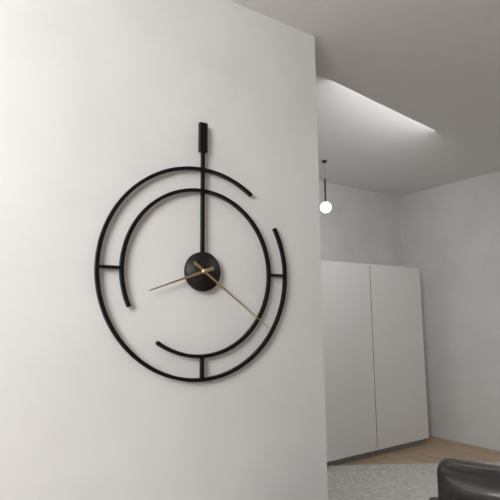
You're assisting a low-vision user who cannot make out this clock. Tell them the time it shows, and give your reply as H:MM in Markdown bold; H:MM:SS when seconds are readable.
**8:21**
